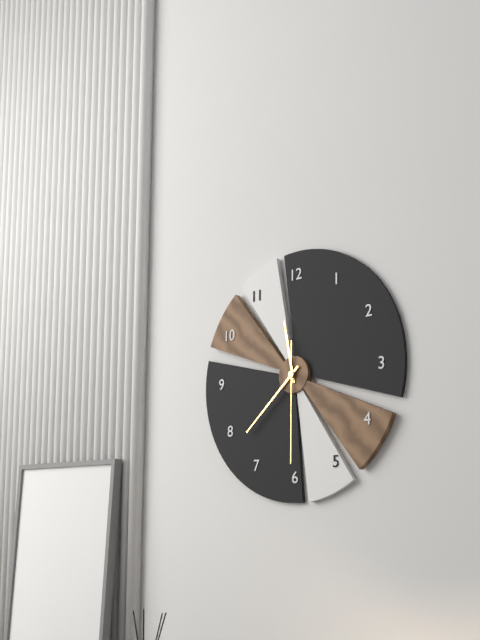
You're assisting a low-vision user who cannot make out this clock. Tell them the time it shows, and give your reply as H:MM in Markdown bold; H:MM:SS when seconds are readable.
**11:38:30**
